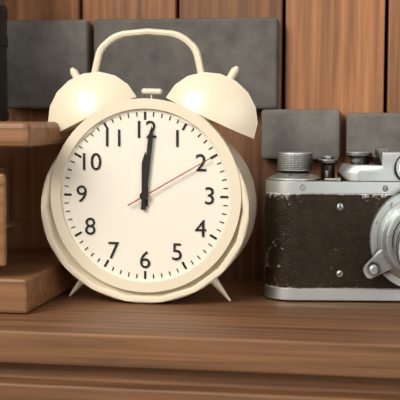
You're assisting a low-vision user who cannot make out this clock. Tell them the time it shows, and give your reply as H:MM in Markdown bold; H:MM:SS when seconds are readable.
**12:01:10**
